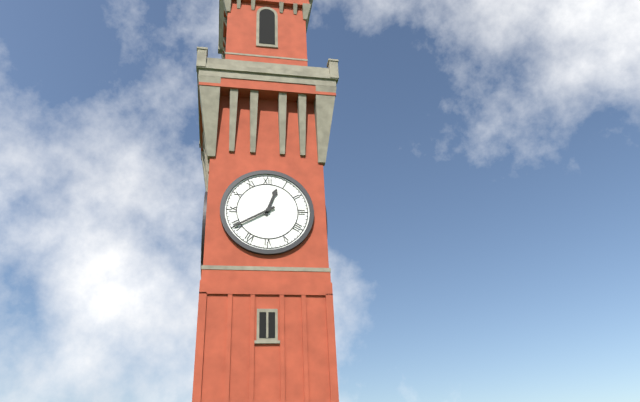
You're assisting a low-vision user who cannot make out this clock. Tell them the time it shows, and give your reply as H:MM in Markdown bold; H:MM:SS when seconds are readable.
**12:40**
